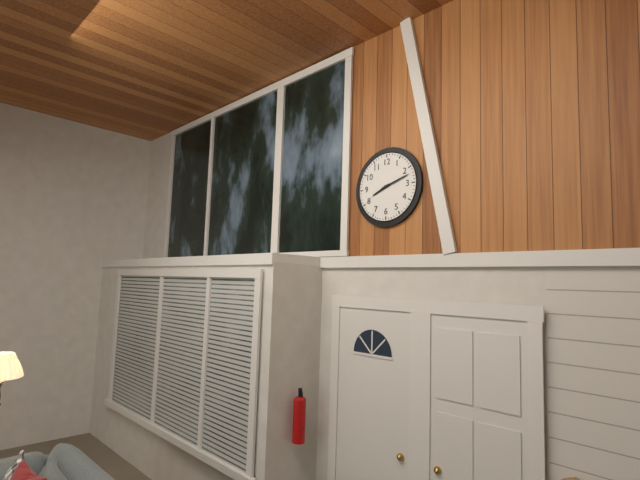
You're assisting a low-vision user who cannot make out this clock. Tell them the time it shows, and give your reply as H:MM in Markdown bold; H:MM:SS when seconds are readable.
**8:12**
